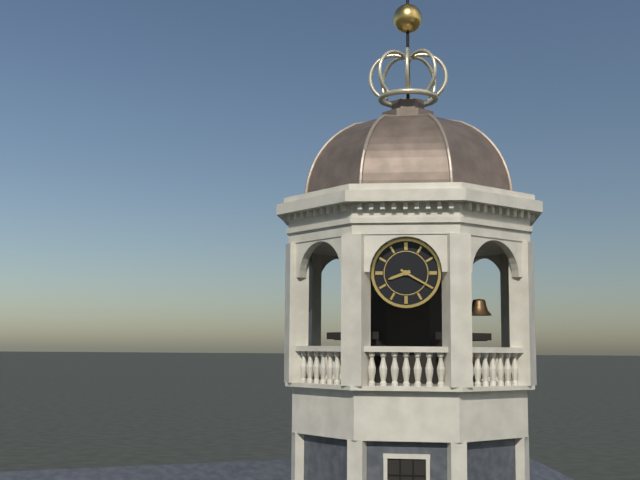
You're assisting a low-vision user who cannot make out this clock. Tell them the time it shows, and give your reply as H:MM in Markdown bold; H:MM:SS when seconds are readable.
**8:20**
